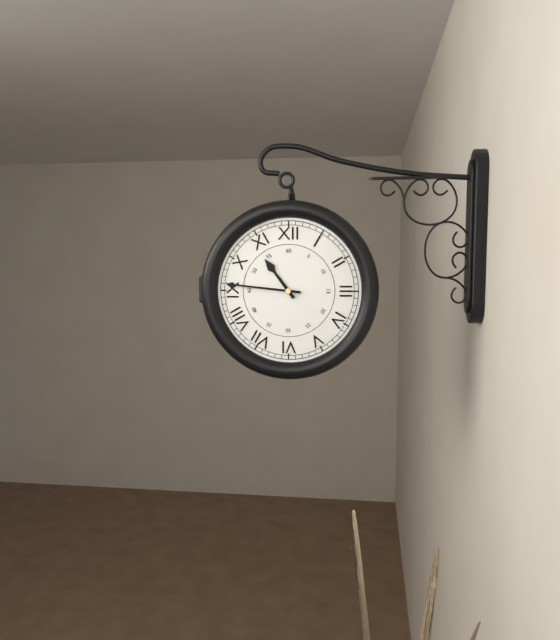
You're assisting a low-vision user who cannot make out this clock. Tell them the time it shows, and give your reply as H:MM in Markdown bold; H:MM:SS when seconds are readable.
**10:46**
